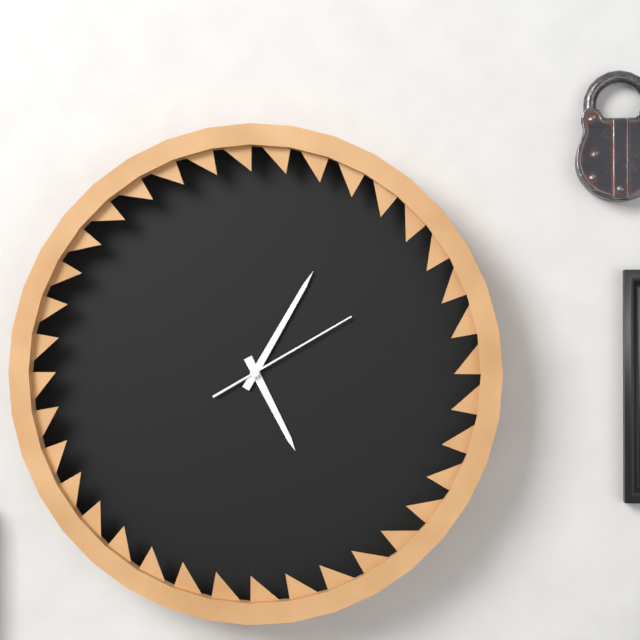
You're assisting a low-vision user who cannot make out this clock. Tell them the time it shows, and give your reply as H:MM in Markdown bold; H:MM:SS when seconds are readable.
**5:05:10**
